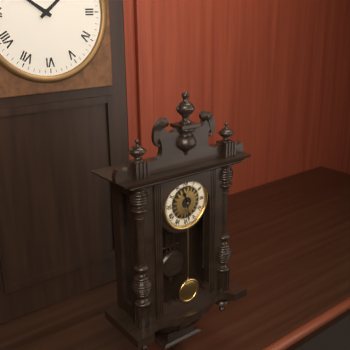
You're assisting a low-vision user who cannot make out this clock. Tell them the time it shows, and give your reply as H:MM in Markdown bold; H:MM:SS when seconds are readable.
**11:29**
